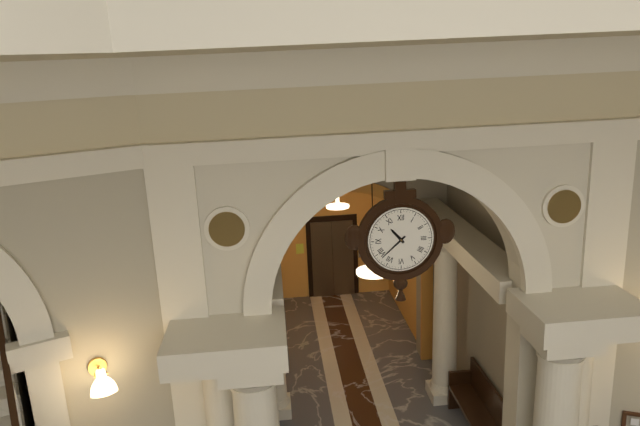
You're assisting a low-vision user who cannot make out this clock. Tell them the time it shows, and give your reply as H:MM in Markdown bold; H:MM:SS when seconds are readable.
**10:38**
